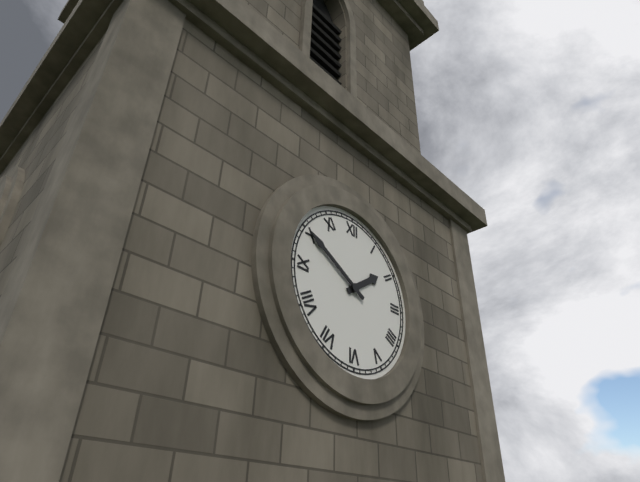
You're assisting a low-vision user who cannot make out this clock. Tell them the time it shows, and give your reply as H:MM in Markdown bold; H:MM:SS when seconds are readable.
**1:50**
